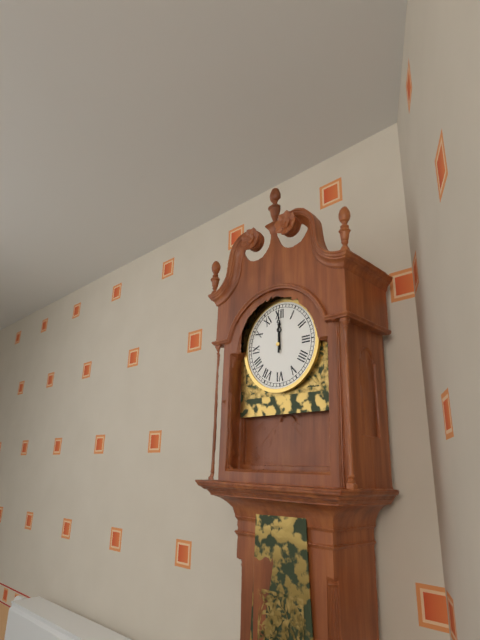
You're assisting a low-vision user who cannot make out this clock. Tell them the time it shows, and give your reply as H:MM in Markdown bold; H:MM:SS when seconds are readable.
**12:00**
